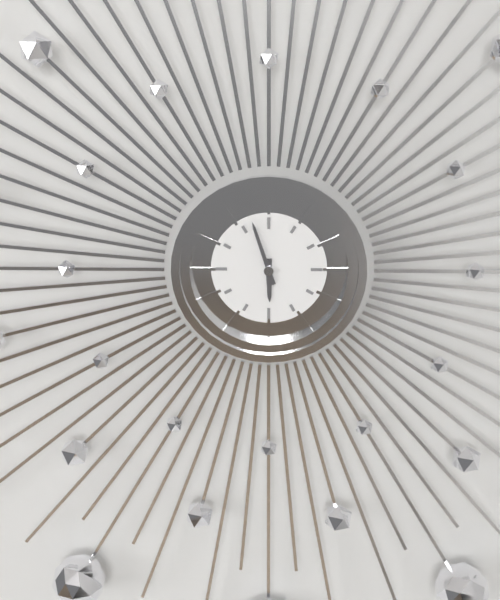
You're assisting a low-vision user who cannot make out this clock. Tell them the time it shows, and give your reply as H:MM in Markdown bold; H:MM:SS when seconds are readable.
**5:57**
